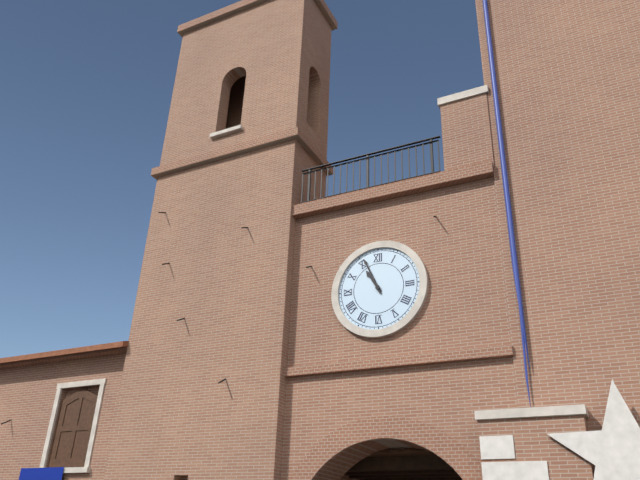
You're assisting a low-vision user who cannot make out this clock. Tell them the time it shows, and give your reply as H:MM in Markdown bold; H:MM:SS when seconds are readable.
**10:56**
